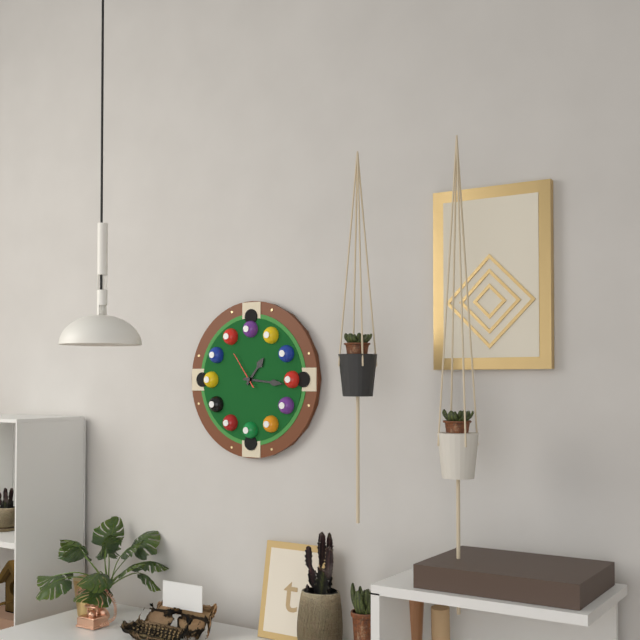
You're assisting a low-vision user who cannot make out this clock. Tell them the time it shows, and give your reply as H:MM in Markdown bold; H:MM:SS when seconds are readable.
**1:16**
